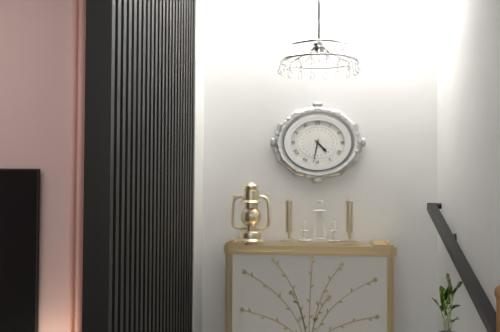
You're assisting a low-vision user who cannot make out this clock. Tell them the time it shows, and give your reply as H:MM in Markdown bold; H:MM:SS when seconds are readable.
**4:32**
